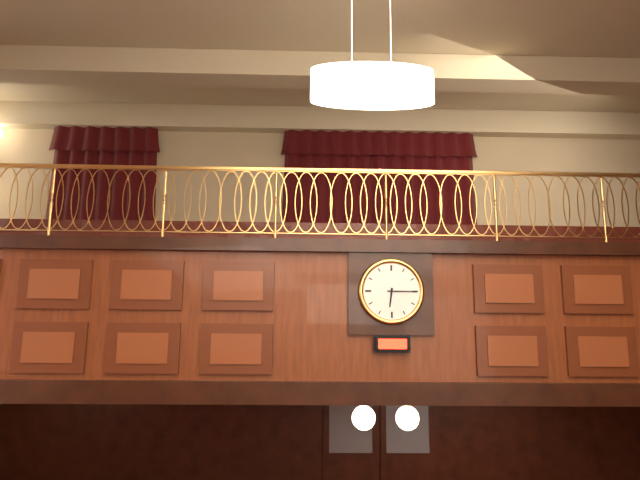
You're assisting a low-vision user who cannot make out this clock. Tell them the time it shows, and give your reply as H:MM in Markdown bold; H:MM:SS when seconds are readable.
**6:15**
